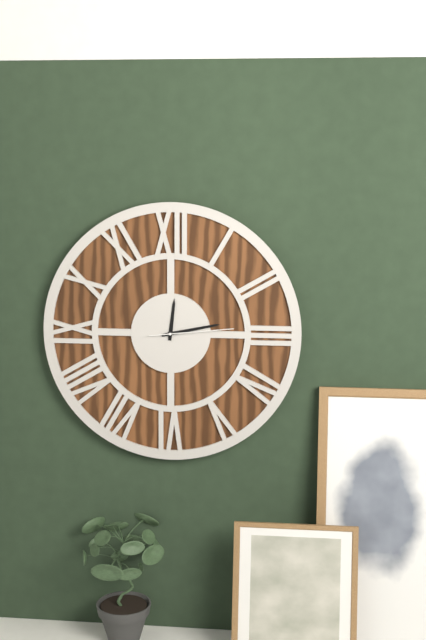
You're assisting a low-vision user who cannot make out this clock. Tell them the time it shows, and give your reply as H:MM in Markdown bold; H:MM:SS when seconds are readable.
**12:13:14**
